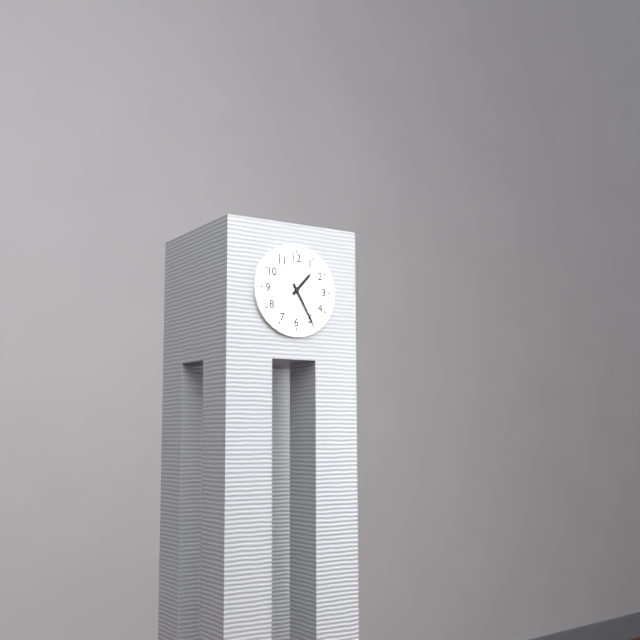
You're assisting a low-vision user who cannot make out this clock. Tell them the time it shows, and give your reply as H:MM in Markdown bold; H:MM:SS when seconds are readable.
**1:25**
